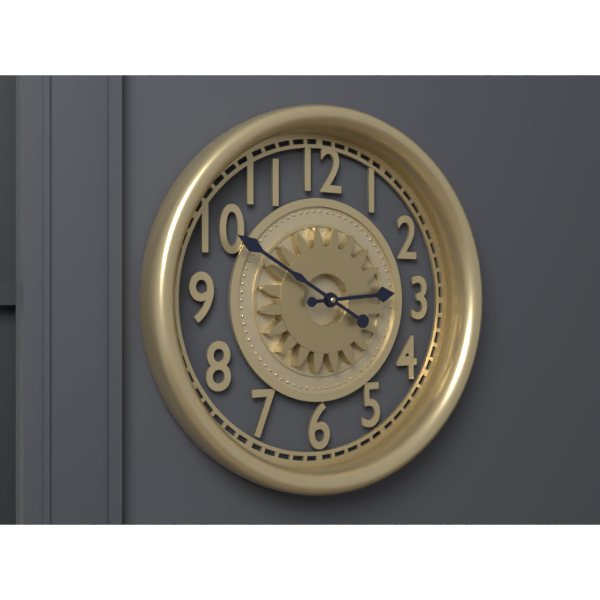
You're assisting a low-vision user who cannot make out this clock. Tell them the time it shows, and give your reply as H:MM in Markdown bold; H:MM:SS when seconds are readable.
**2:50**
